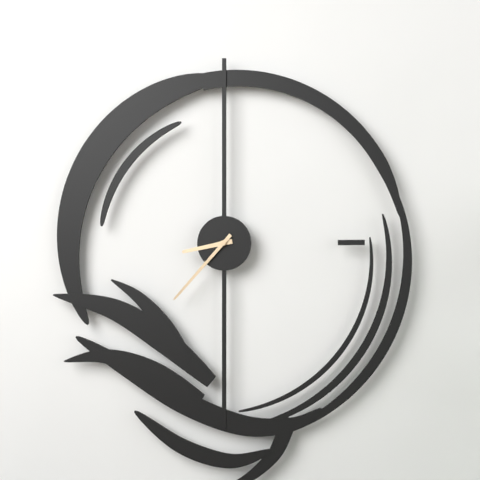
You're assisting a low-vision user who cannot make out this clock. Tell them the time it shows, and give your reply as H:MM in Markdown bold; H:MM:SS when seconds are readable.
**8:37**
